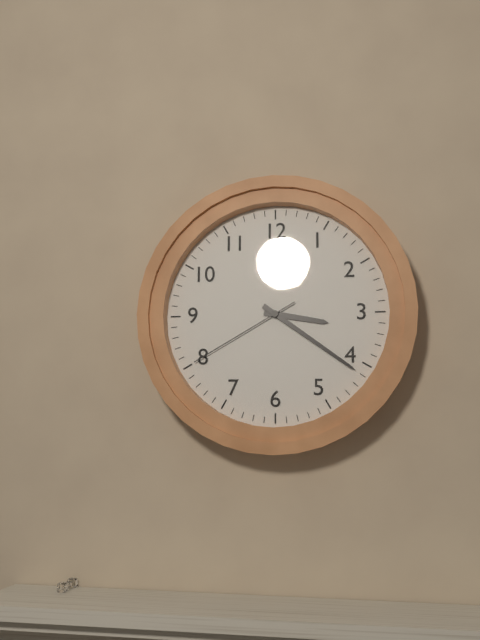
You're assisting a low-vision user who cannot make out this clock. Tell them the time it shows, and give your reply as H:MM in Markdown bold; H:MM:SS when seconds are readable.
**3:21:40**
